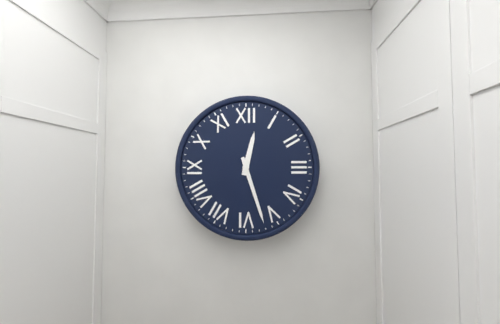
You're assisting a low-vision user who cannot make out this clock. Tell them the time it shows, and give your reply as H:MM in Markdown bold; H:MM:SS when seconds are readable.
**12:27**
